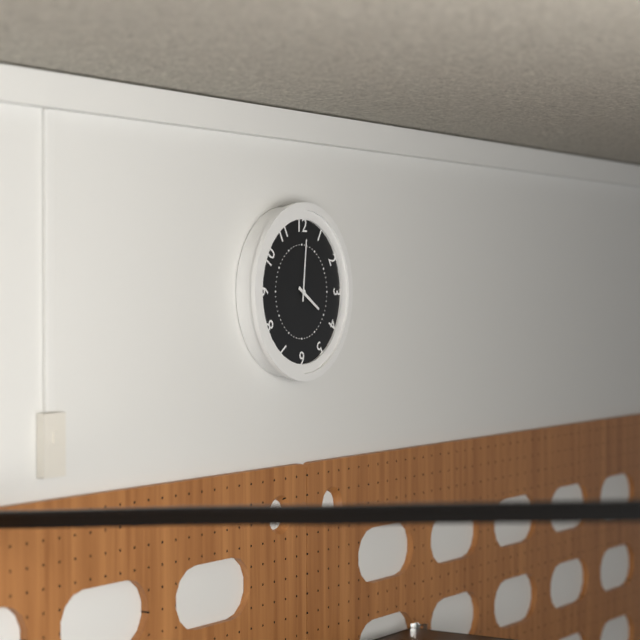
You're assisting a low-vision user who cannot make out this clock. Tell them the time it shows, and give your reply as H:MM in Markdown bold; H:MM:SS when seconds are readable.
**4:01**
